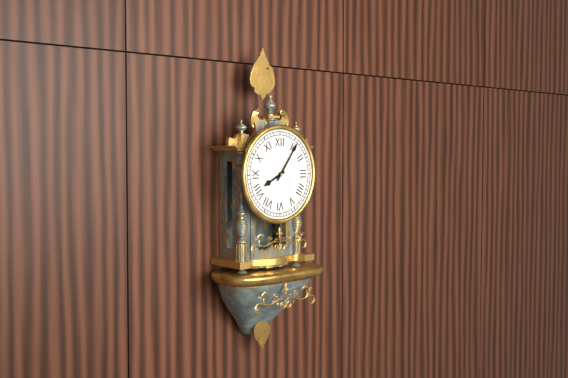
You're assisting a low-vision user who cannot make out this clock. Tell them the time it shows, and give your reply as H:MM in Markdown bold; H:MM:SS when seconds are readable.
**8:06**
